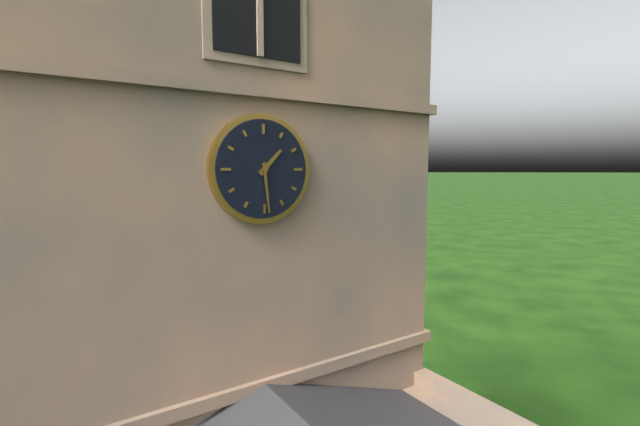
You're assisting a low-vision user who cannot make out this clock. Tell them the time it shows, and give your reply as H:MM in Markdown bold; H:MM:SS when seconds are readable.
**1:29**
